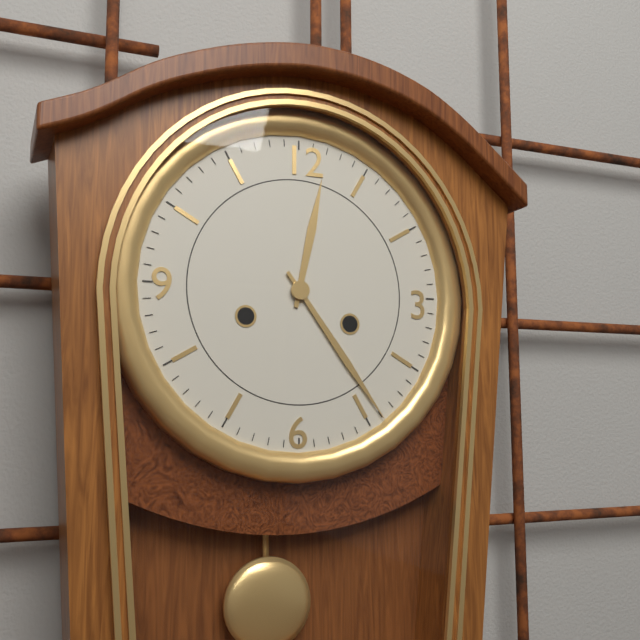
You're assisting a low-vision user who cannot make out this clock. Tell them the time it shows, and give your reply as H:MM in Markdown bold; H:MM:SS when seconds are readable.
**12:24**
